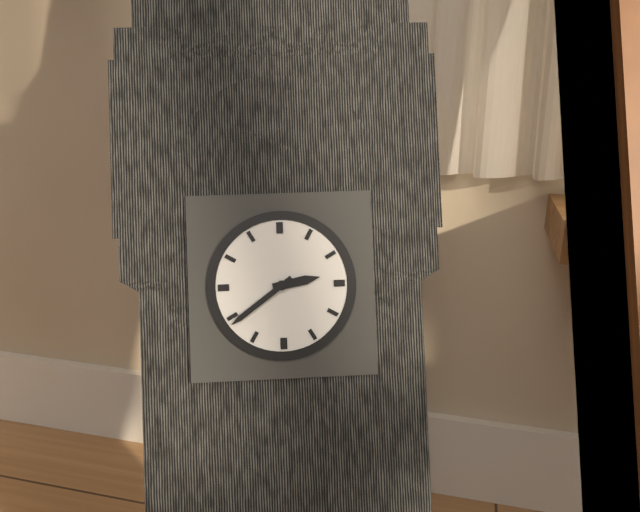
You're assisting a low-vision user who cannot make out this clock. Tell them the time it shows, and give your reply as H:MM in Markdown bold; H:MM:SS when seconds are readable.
**2:39**
